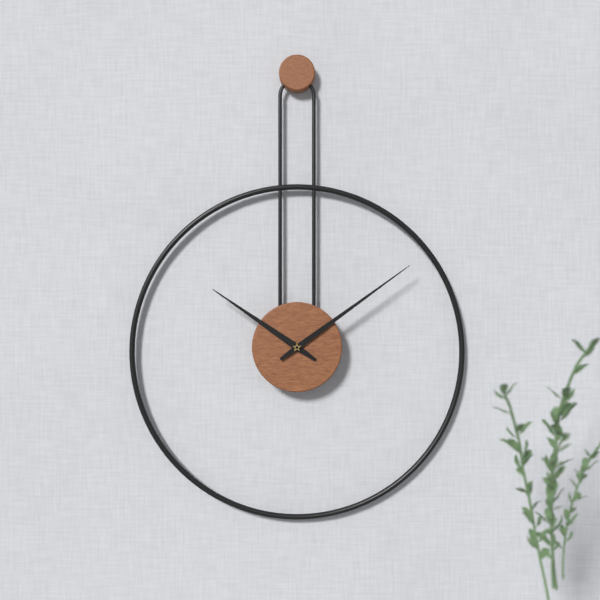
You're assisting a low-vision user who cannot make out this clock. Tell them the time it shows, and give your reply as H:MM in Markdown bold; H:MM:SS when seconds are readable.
**10:09**
